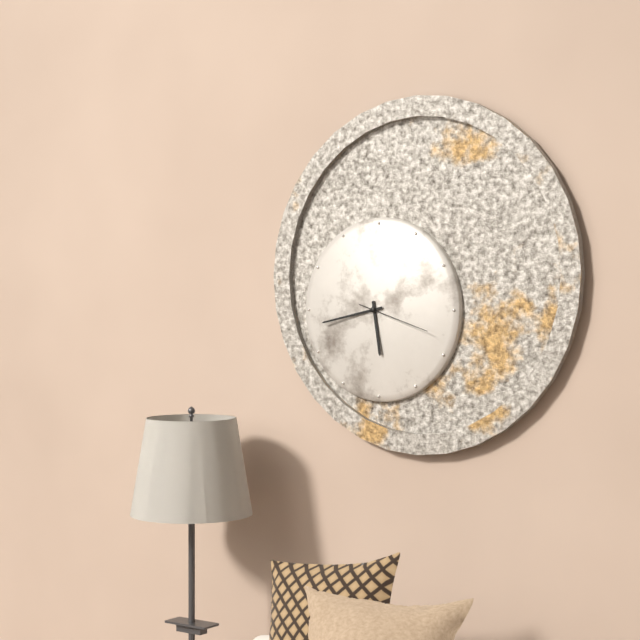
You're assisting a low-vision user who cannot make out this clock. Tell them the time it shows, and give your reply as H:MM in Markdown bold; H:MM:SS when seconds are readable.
**5:43:18**
